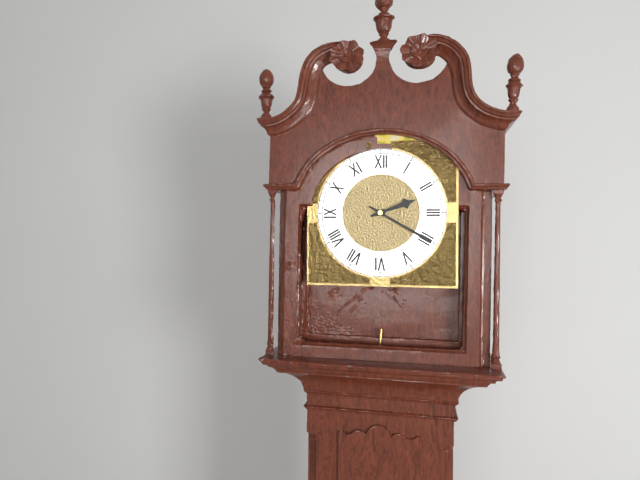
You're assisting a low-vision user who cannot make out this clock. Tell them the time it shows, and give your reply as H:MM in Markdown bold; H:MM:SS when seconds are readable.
**2:20**
